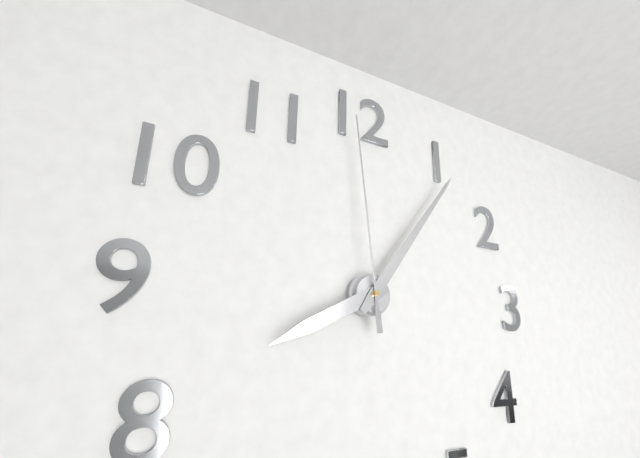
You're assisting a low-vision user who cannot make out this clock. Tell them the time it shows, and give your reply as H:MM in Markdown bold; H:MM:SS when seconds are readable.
**8:06:59**
